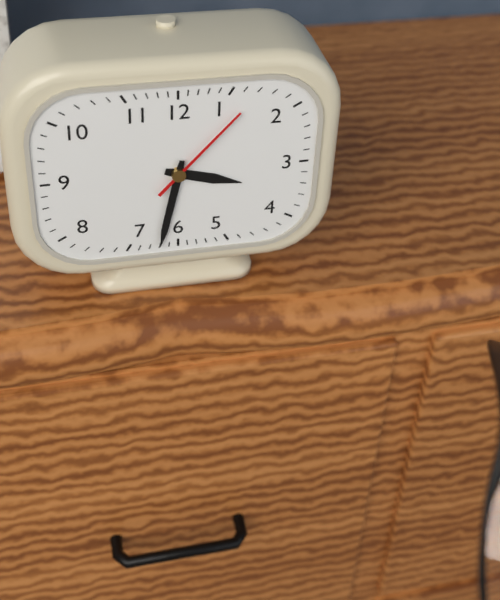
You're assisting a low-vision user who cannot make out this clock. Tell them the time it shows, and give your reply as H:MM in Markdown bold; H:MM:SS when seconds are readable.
**3:32:07**
